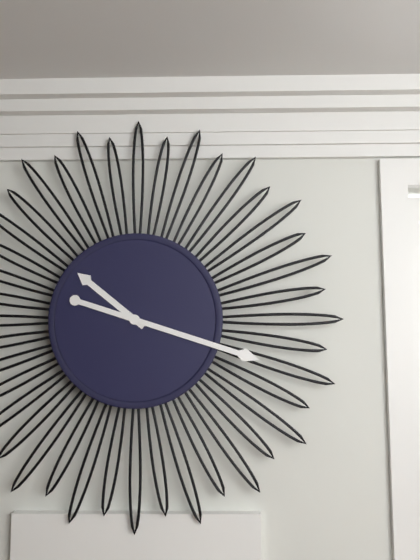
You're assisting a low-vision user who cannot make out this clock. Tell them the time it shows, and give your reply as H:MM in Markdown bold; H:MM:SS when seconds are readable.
**10:18**
